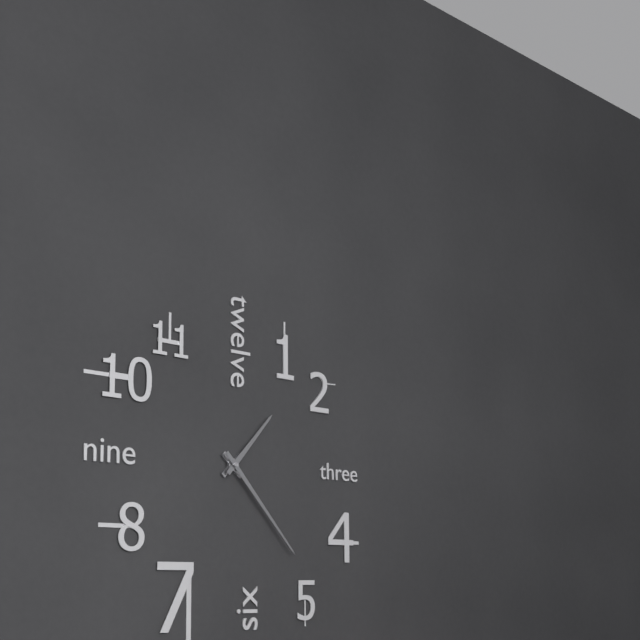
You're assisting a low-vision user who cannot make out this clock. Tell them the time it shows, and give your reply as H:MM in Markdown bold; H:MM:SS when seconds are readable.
**1:23**
